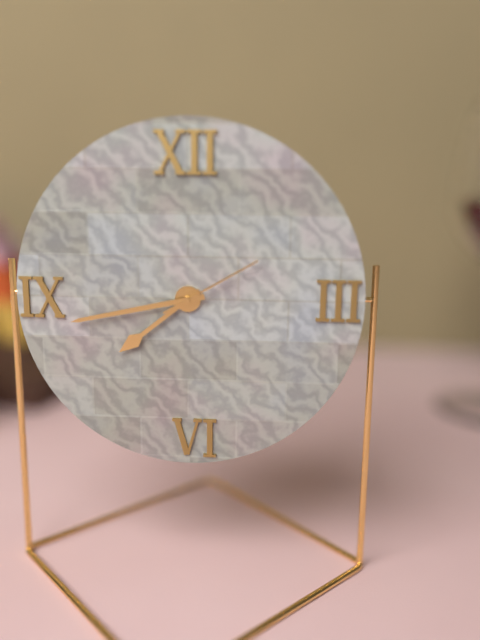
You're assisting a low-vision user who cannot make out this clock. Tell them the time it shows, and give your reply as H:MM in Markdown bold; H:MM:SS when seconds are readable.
**7:43:10**
